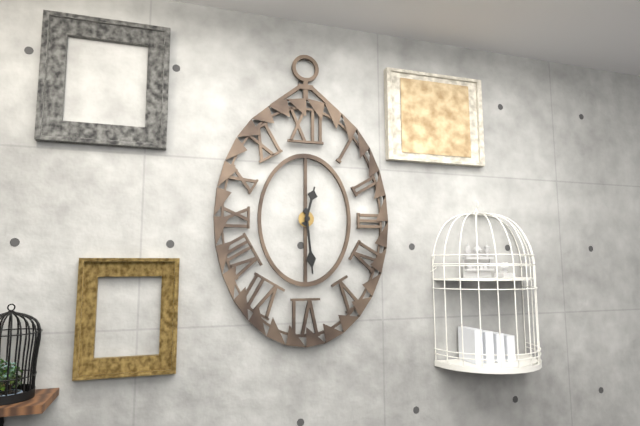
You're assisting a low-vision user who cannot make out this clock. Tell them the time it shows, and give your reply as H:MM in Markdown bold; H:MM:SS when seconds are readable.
**12:29**
